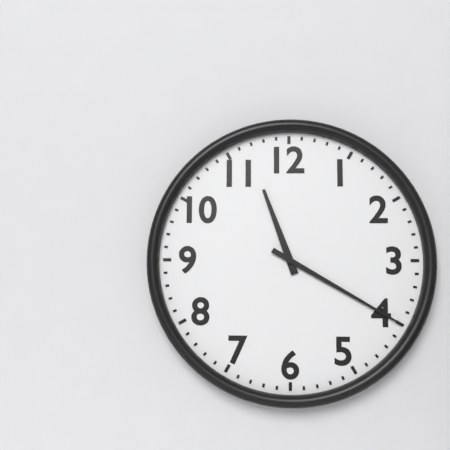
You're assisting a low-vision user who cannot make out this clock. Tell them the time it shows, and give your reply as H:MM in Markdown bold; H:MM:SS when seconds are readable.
**11:20**
